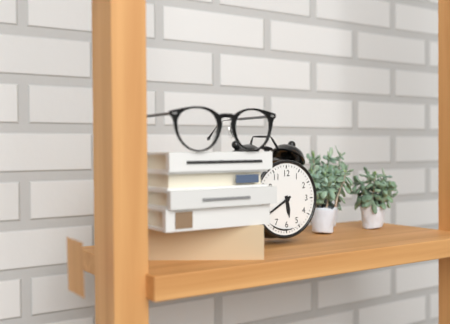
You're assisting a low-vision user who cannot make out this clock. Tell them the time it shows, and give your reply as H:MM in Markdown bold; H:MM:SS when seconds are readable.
**5:40**
